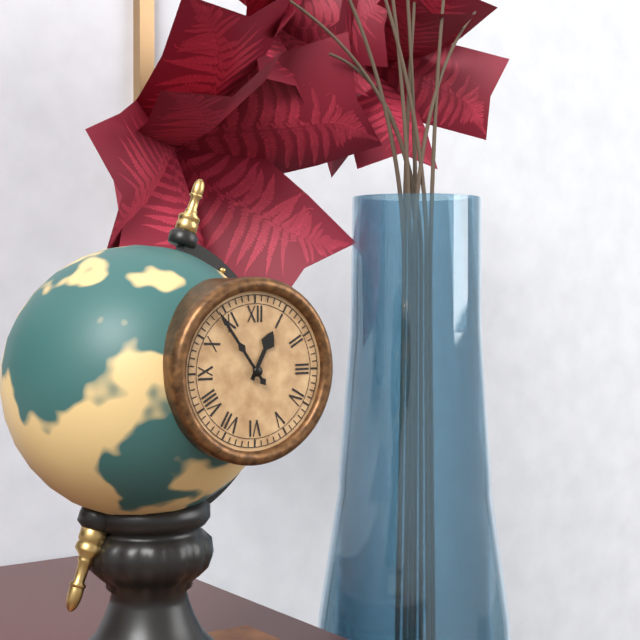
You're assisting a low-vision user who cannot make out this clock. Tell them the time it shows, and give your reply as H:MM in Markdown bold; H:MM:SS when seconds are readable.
**12:54**
